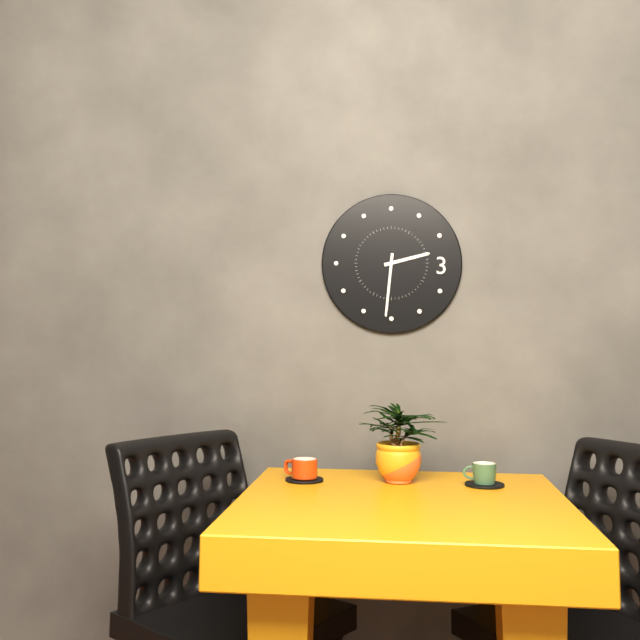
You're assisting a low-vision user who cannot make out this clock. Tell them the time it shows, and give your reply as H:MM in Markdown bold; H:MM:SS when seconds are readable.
**2:31**
